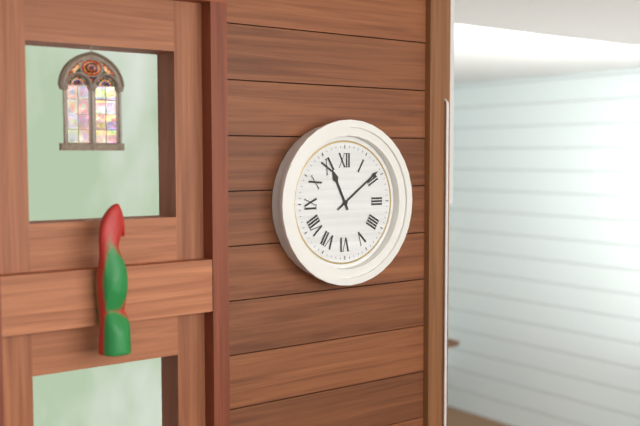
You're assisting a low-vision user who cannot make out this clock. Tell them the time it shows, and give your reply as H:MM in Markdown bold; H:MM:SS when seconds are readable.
**11:09**
